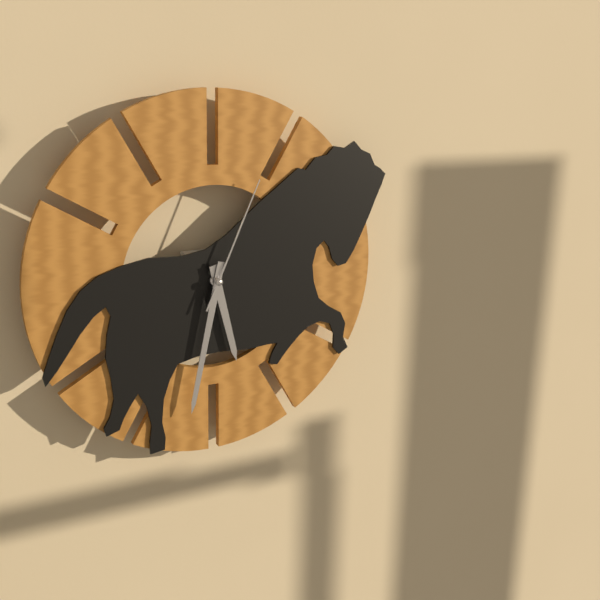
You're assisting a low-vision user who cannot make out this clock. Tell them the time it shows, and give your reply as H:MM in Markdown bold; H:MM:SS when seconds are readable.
**5:32:04**
